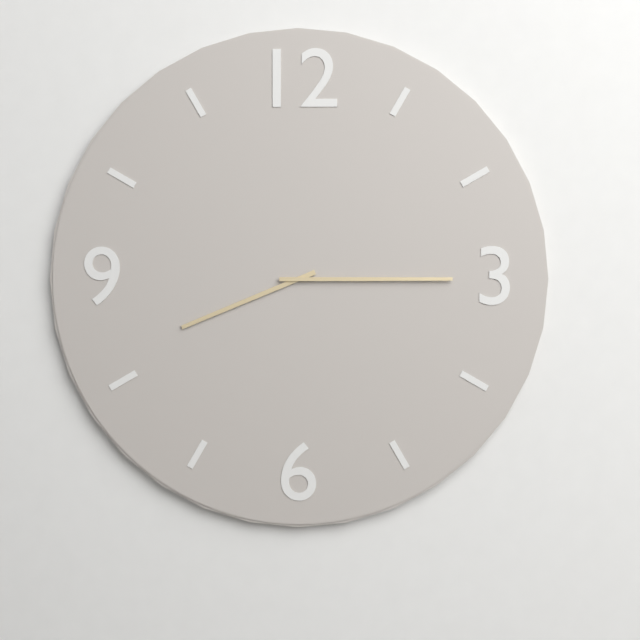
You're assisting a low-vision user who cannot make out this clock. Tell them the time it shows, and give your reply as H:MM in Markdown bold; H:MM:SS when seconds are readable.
**8:15**
